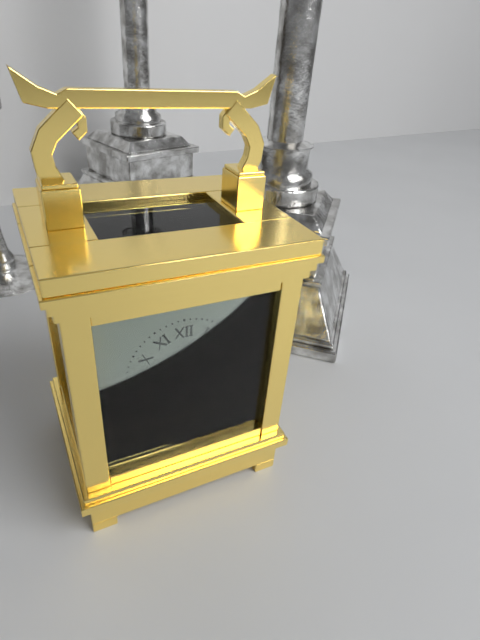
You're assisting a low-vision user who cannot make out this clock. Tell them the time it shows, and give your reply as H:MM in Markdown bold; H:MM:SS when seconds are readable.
**8:08**
